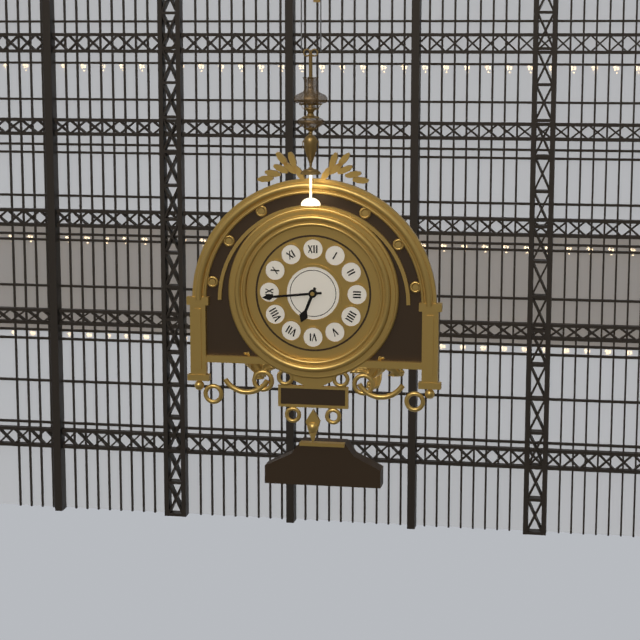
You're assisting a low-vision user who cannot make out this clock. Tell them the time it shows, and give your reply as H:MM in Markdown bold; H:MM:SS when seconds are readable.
**6:44**
